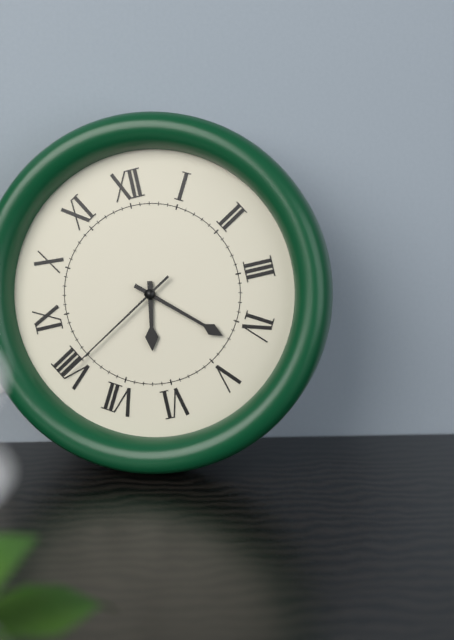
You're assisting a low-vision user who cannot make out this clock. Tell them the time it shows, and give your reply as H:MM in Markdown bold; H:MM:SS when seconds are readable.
**6:22:40**
